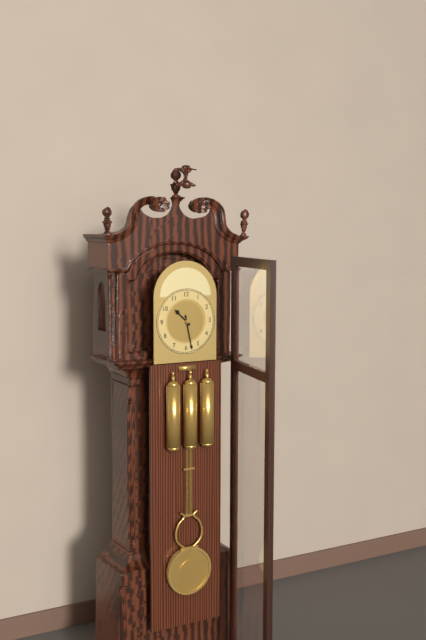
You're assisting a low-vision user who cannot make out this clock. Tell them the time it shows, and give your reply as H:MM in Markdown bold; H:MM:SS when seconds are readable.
**10:28**
